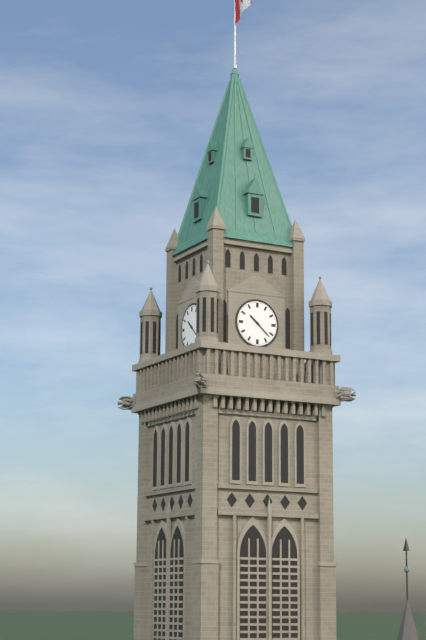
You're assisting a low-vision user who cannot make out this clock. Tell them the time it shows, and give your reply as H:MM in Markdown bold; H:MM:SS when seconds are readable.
**10:22**
